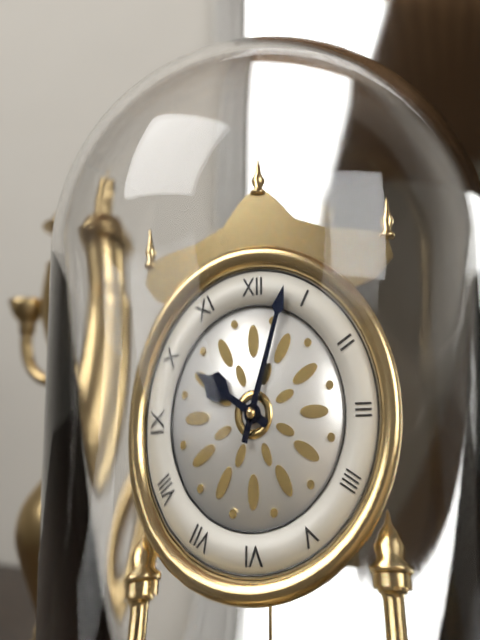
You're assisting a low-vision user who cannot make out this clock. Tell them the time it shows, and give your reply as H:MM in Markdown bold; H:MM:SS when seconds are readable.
**10:03**
